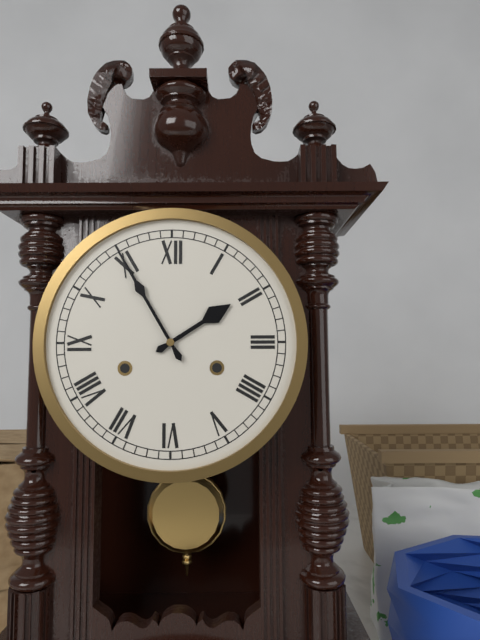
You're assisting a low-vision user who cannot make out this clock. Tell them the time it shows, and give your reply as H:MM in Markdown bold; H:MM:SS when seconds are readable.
**1:55**
